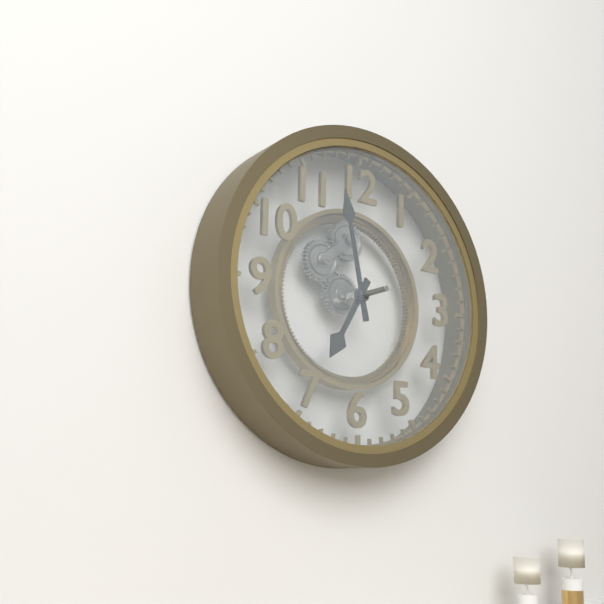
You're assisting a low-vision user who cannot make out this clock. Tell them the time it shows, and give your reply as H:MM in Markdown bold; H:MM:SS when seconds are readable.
**6:58**
